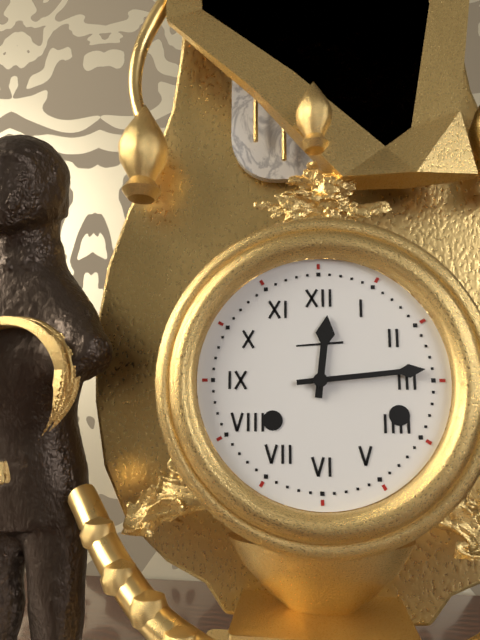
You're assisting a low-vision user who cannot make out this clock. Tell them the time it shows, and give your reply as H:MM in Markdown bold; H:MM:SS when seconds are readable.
**12:14**
